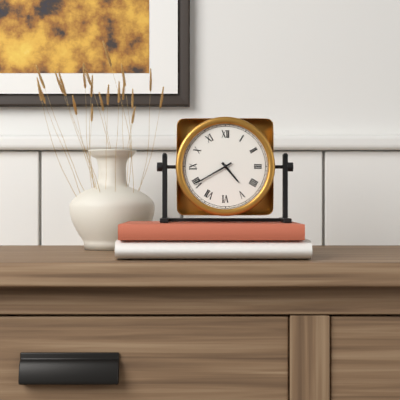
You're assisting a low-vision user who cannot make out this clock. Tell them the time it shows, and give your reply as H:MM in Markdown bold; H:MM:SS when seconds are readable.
**4:40**
